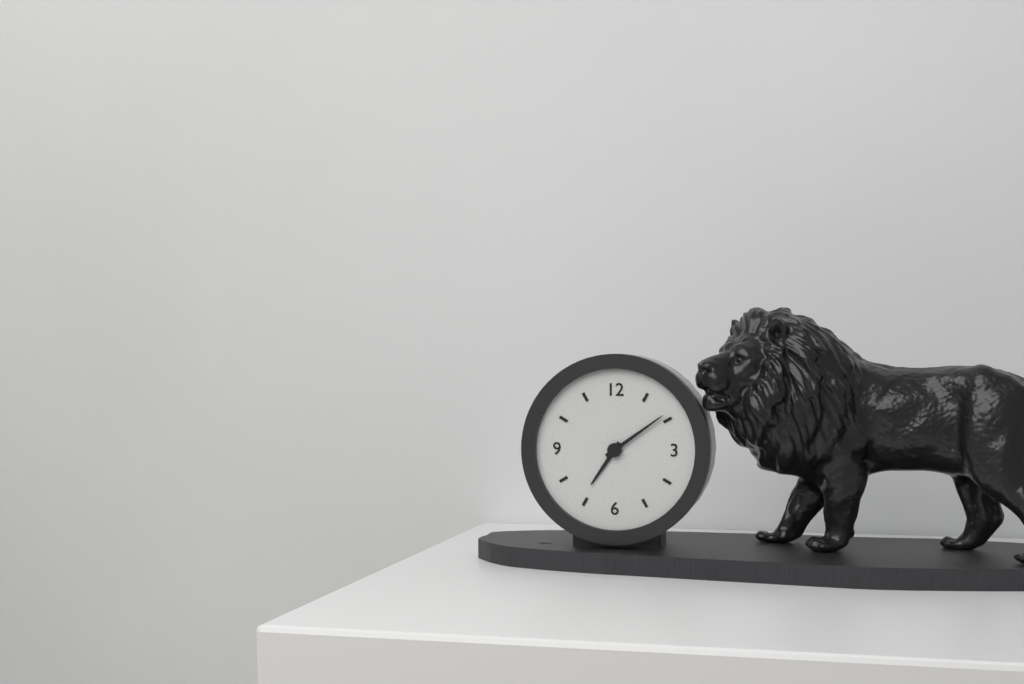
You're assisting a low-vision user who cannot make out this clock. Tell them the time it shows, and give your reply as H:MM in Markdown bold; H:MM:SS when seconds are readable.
**7:09**
